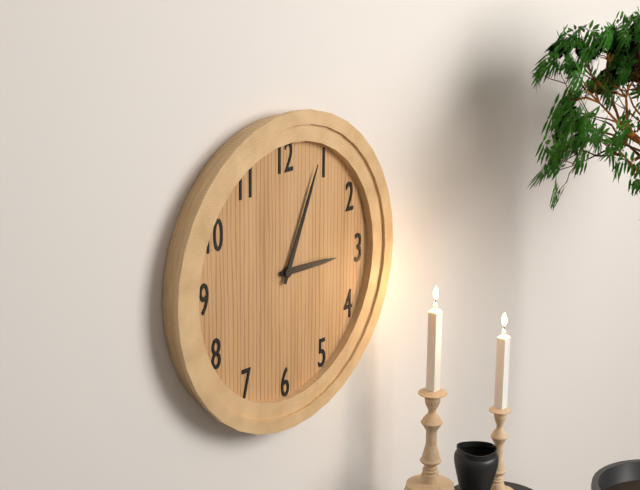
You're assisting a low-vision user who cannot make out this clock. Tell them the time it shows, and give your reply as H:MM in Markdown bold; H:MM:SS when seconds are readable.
**3:04**
